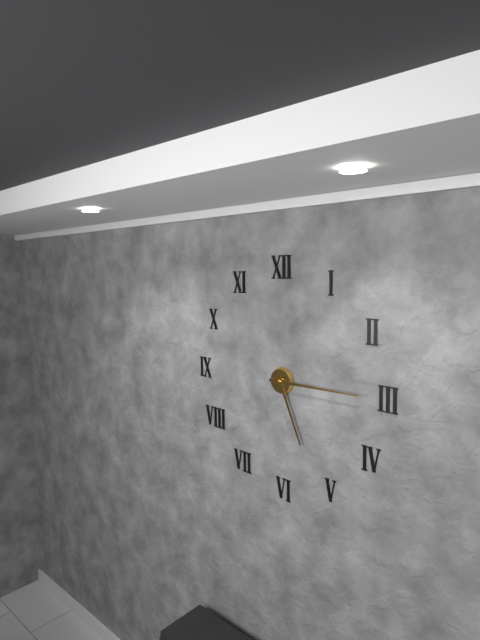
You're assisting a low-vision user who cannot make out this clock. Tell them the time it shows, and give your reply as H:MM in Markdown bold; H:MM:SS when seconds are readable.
**5:15**
